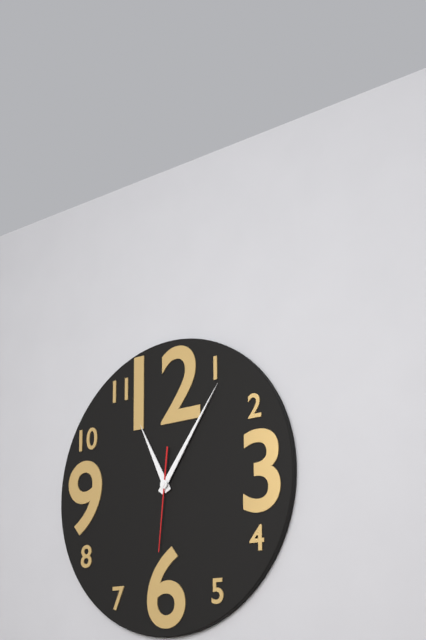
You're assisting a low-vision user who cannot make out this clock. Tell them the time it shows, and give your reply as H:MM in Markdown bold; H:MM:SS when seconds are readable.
**11:06:31**
